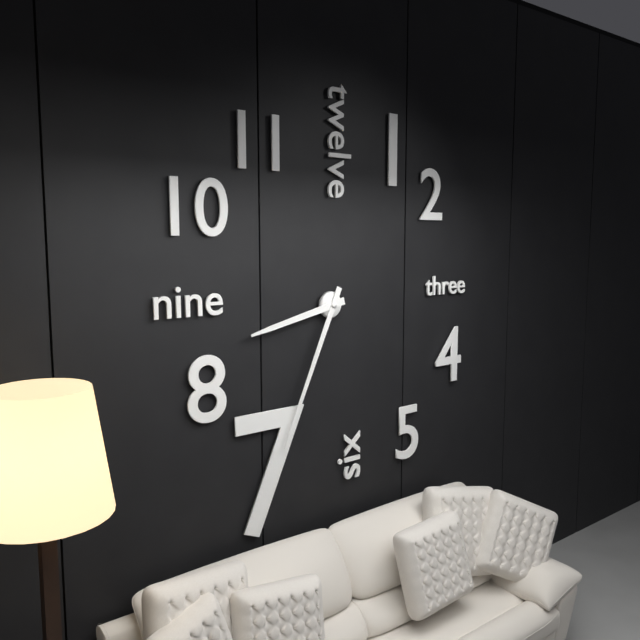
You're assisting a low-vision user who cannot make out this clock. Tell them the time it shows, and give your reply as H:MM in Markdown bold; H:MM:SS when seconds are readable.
**8:34**
